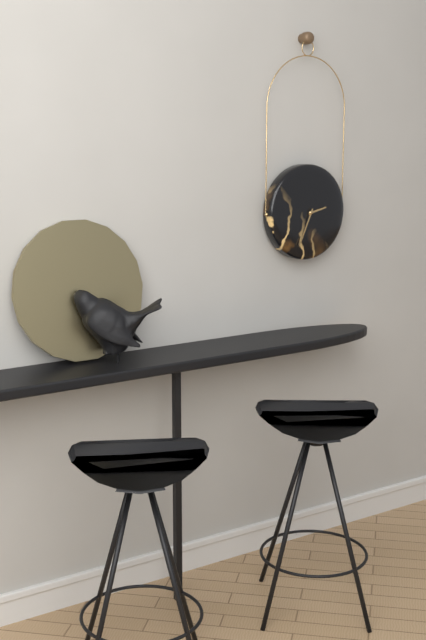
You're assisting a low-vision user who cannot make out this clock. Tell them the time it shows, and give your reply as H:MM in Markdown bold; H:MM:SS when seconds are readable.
**2:34**
